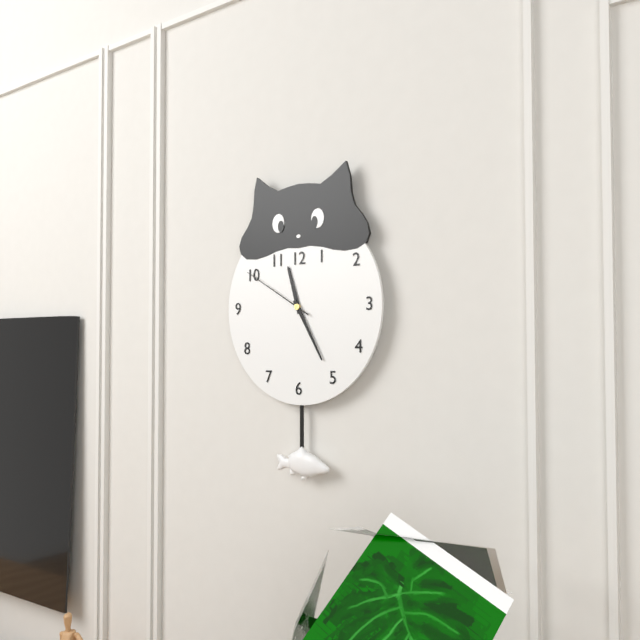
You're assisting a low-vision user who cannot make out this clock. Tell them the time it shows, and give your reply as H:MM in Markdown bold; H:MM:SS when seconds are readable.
**11:25:50**
